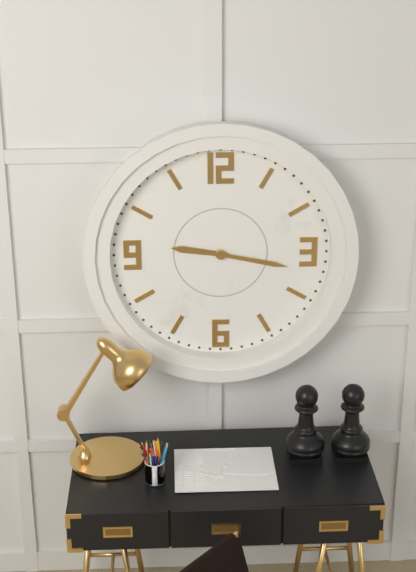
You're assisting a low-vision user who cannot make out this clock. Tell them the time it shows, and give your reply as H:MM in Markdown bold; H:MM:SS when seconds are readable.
**9:17**
